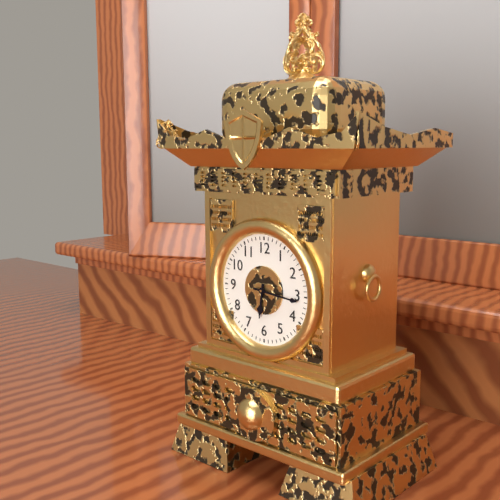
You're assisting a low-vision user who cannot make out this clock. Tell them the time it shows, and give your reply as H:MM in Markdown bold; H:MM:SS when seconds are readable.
**6:16**
